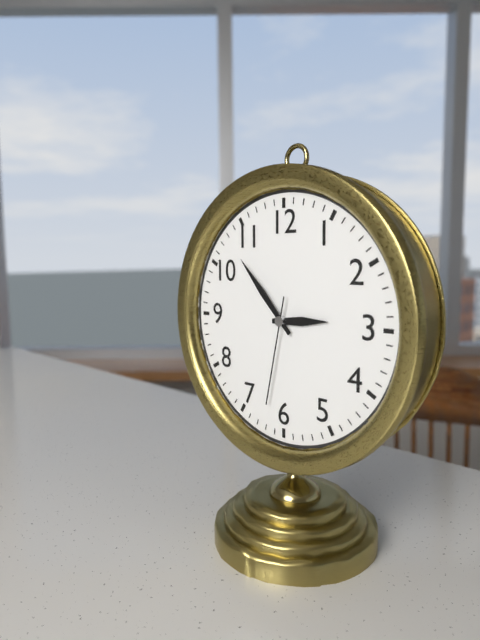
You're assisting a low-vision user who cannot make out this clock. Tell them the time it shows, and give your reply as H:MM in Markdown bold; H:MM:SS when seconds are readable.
**2:53:32**
